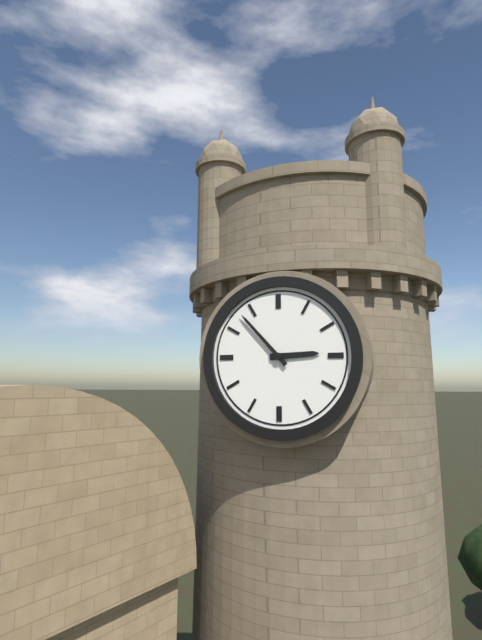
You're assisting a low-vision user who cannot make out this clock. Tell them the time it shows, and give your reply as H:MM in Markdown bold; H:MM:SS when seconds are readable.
**2:53**
